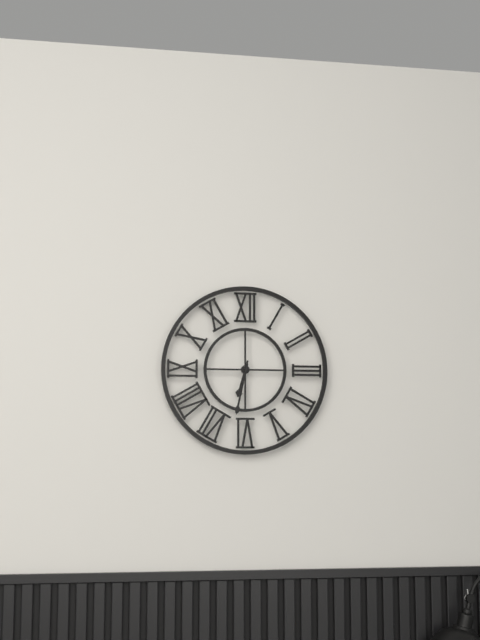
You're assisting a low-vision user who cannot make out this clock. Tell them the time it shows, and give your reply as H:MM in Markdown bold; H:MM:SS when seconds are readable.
**6:32**
